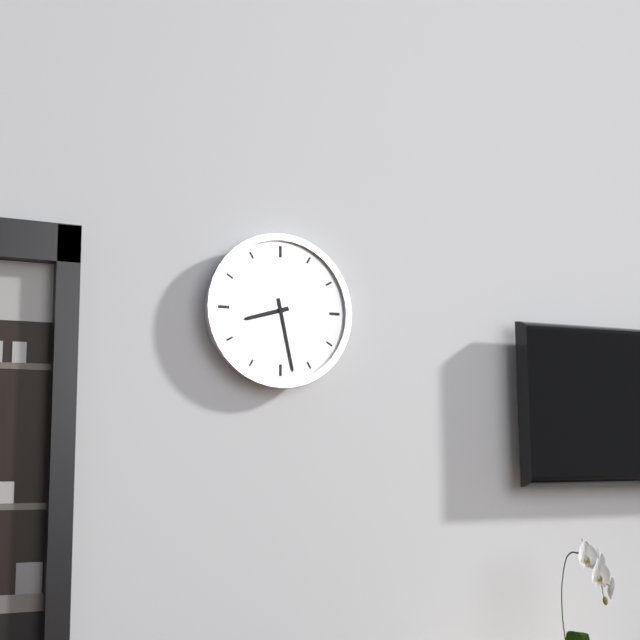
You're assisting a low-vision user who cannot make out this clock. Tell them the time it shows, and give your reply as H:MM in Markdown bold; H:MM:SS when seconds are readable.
**8:28**
